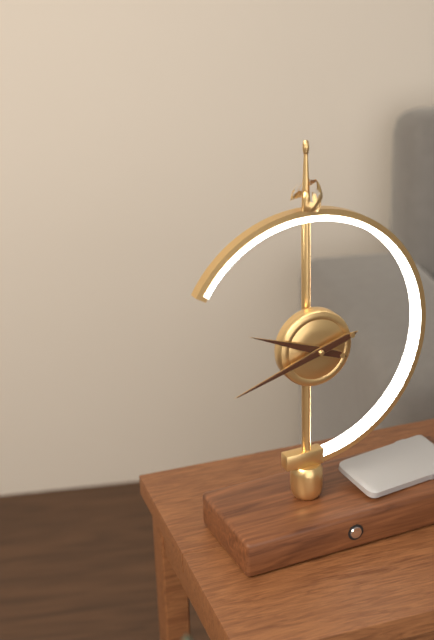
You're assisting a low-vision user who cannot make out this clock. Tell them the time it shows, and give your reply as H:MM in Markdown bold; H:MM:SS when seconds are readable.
**9:42**
